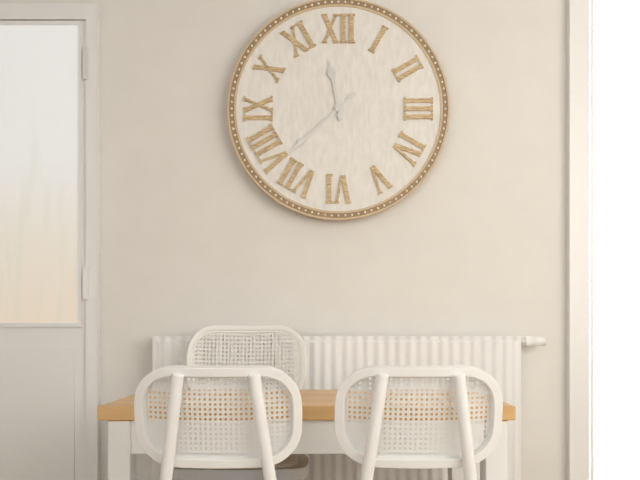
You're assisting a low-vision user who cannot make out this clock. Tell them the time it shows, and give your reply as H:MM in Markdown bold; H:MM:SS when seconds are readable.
**11:38**
